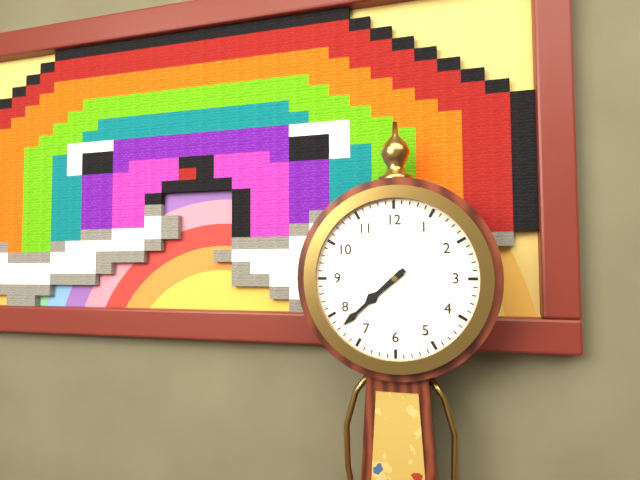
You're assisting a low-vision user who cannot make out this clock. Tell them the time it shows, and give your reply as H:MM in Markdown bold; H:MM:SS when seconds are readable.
**7:38**
